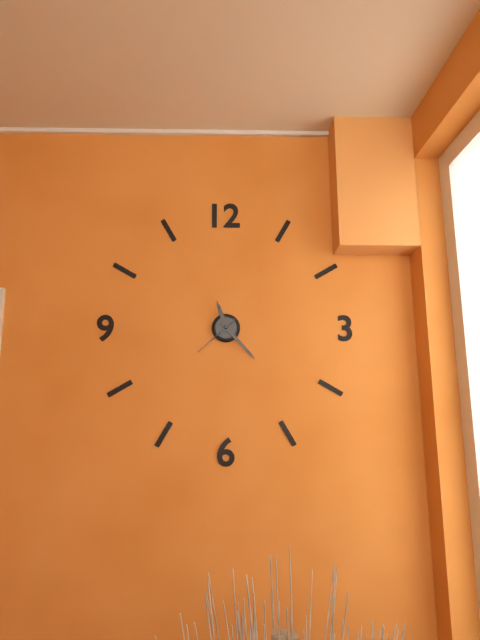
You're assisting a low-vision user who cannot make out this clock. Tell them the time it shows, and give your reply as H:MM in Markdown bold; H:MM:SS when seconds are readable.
**11:23**
